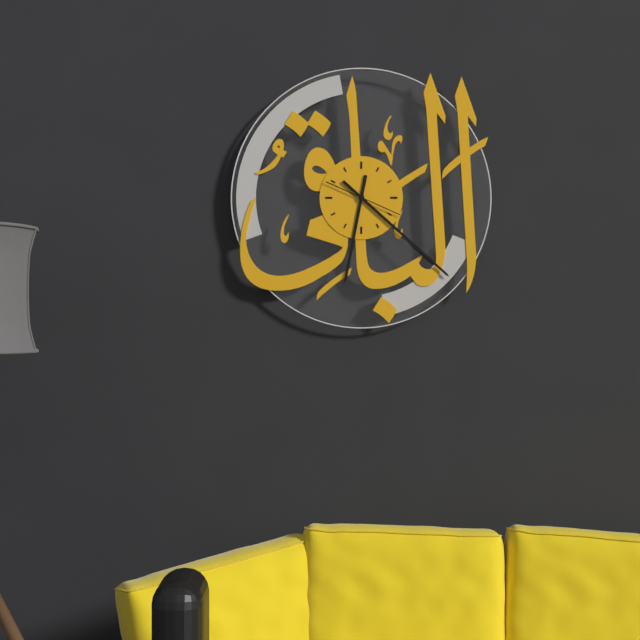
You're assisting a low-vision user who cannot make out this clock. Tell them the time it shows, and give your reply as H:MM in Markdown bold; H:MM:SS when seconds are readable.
**6:22:19**
